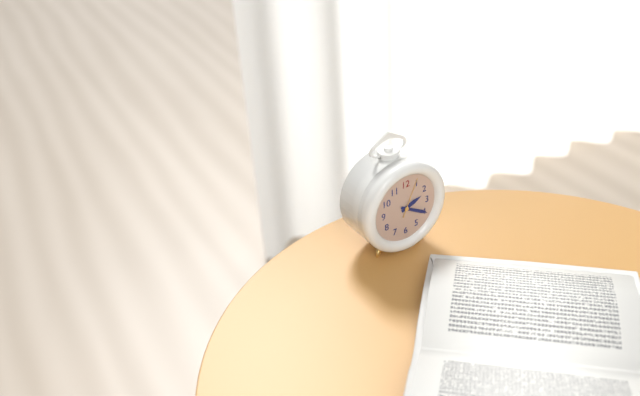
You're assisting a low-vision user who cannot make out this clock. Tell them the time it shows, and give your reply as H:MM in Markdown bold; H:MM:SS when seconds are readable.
**2:20**
